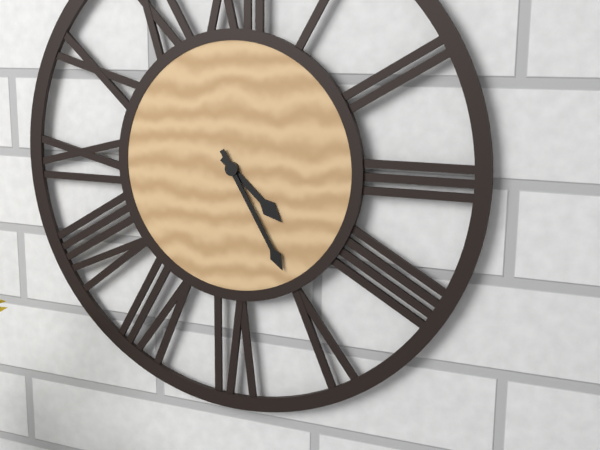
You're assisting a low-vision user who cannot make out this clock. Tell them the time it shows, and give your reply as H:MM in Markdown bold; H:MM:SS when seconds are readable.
**4:25**
